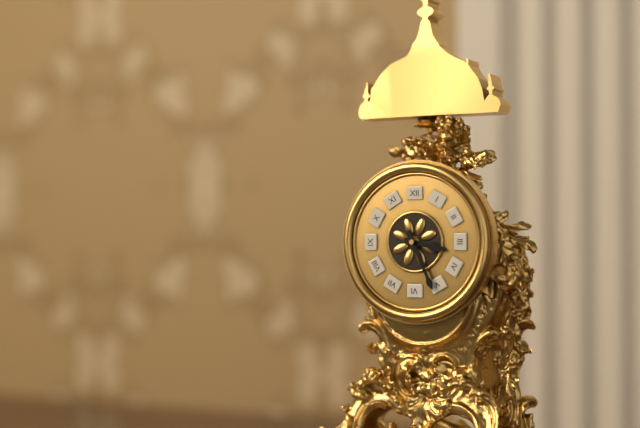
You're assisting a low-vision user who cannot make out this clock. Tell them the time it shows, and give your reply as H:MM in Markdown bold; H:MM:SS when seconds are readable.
**3:26**
